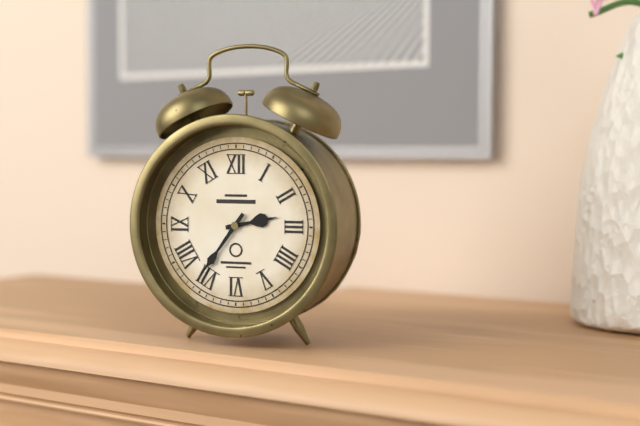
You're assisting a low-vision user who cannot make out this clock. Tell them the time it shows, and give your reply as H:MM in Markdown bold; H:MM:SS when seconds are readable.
**2:36**
